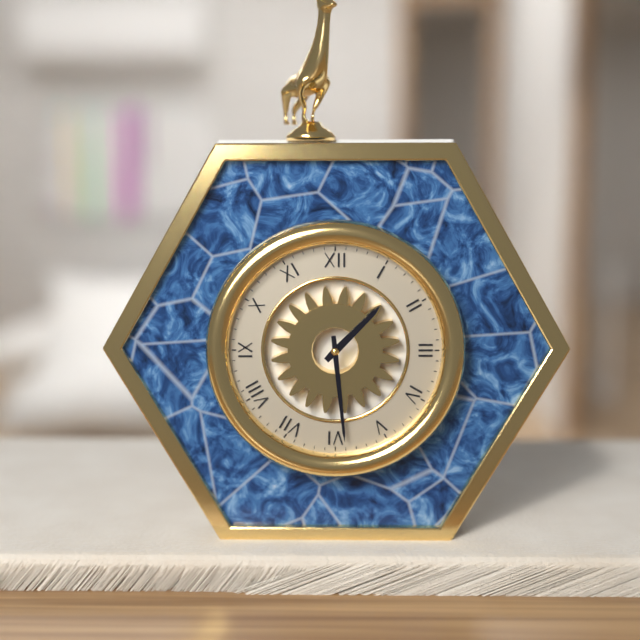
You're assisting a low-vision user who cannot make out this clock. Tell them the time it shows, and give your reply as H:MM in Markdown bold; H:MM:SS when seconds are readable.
**1:29**
